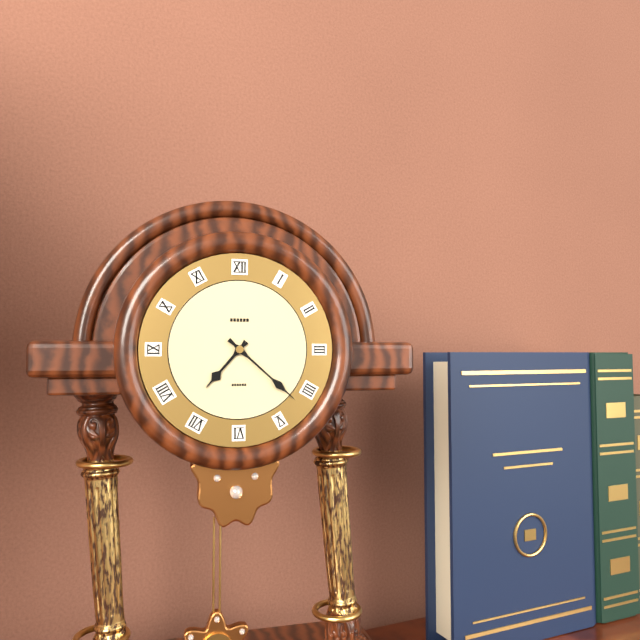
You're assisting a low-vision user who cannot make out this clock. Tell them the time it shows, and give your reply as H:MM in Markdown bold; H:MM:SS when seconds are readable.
**7:22**
